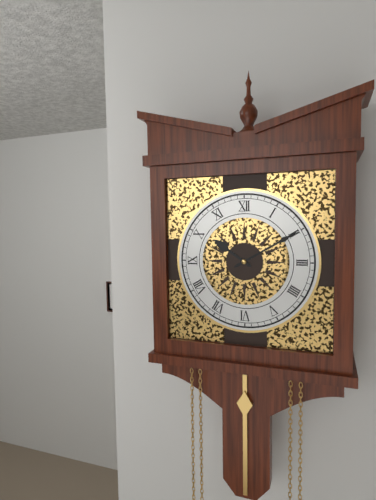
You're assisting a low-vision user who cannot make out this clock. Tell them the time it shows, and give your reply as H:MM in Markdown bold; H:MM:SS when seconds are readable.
**10:10**
